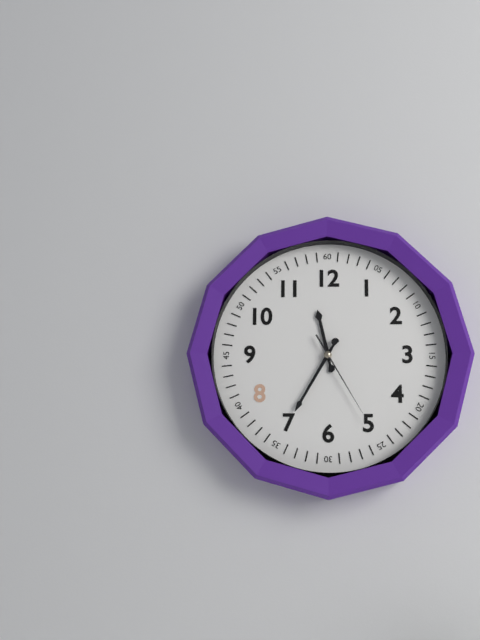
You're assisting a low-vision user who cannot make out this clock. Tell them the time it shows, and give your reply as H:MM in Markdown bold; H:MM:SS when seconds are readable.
**11:35:25**
